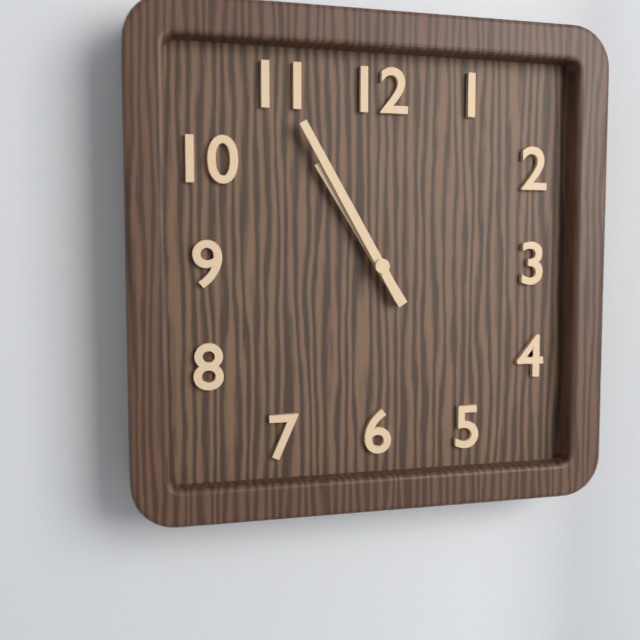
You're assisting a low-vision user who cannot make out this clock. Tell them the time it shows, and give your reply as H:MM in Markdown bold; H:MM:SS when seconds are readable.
**10:55**
